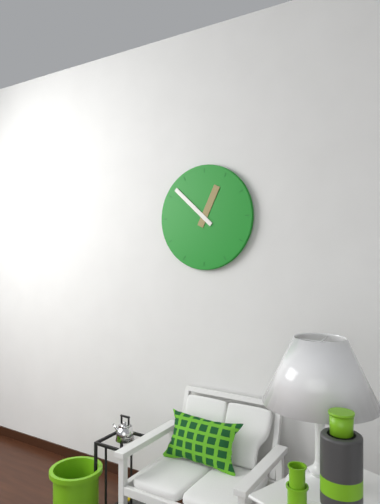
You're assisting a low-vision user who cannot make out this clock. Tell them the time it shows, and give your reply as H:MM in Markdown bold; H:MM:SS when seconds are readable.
**12:52**
